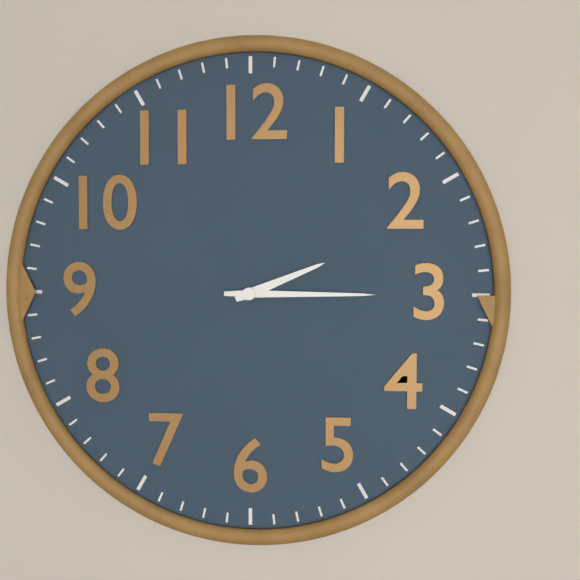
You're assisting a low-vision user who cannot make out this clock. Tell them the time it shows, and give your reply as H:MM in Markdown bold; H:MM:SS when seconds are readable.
**2:15**
